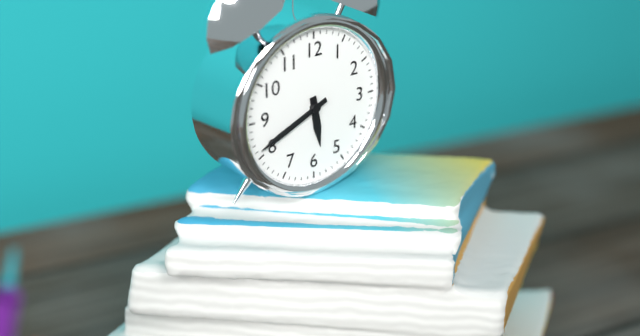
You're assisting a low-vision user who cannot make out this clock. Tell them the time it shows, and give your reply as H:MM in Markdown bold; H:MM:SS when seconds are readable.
**5:41**
